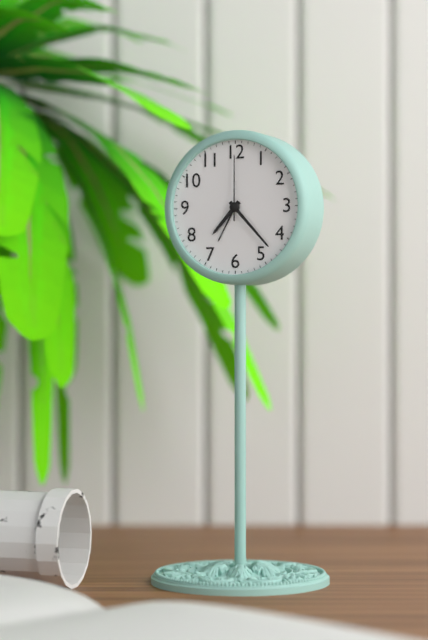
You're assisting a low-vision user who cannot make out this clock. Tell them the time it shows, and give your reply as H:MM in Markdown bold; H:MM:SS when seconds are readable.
**7:23:00**
